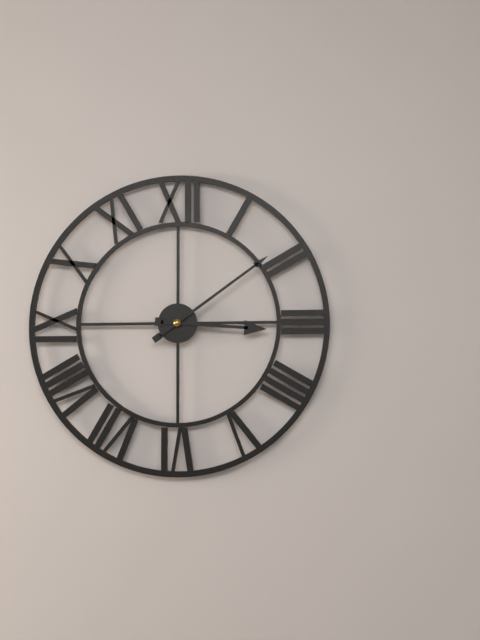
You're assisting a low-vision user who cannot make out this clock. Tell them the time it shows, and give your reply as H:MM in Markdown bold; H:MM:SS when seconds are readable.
**3:09**
